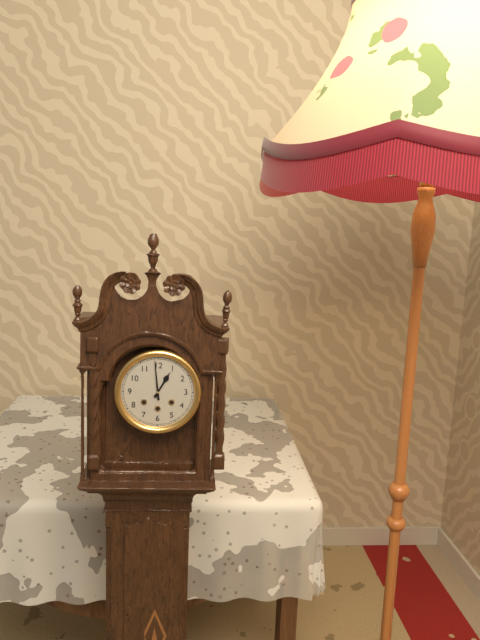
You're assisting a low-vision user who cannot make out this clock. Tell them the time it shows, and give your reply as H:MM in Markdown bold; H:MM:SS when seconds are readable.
**12:59**
